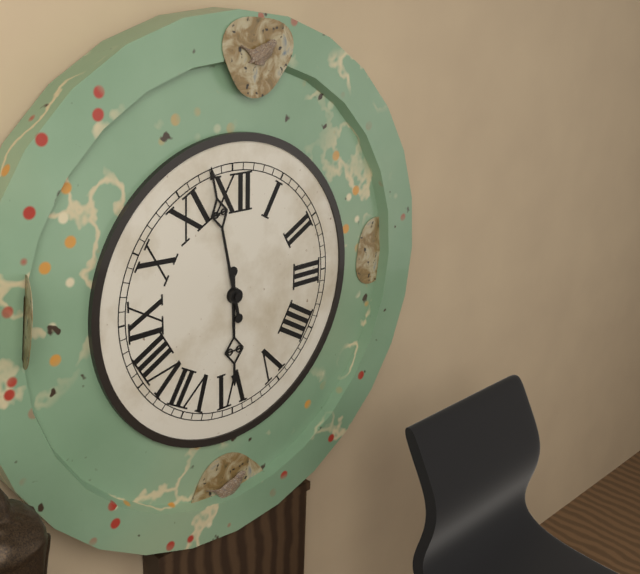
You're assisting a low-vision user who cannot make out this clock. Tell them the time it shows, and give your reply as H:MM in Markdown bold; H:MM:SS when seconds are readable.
**5:58**
